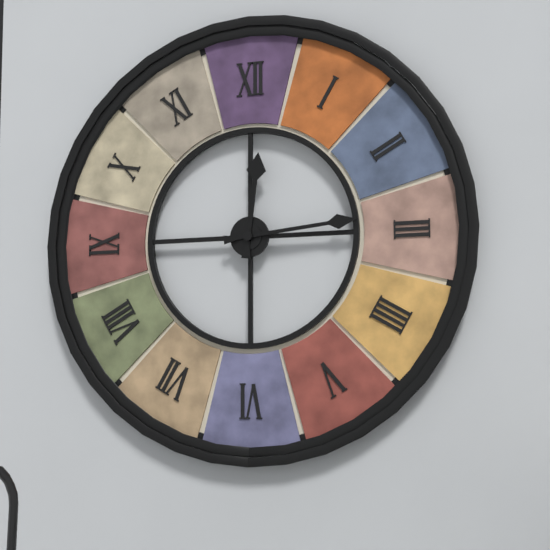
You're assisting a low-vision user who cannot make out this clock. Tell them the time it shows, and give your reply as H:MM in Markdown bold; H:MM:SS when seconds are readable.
**12:14**
